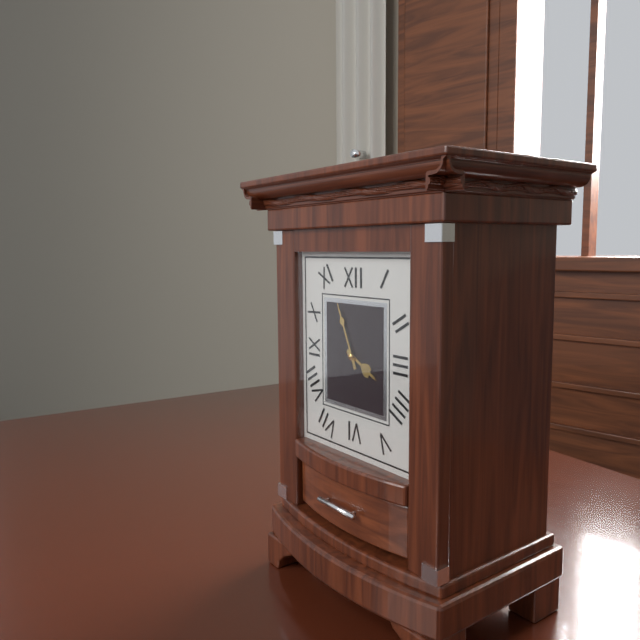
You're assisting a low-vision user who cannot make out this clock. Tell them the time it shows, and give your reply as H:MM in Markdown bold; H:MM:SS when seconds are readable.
**3:56**
